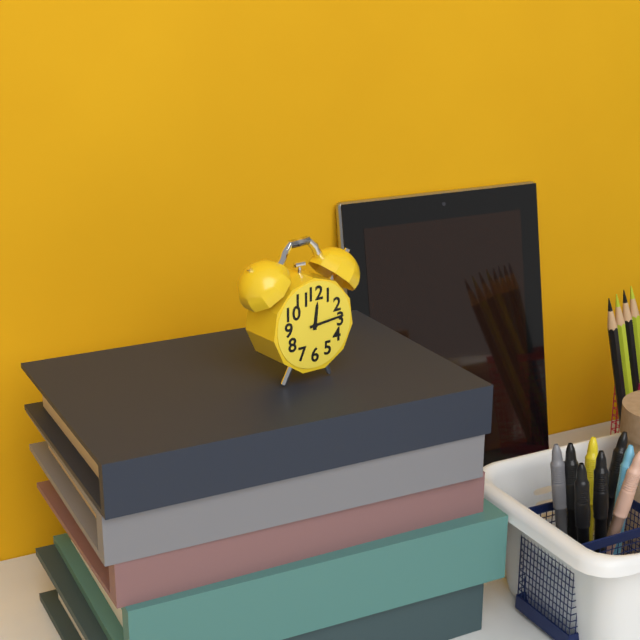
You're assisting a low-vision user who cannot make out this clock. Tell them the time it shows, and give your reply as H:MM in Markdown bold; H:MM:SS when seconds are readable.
**12:14**
